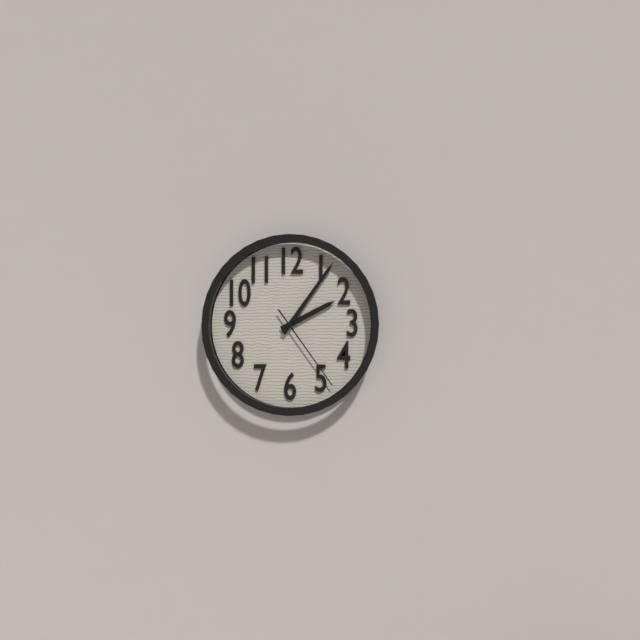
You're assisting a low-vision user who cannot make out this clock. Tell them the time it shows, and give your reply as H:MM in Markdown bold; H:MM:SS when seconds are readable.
**2:06:24**
